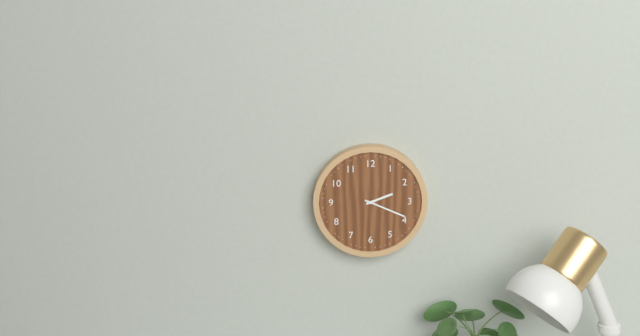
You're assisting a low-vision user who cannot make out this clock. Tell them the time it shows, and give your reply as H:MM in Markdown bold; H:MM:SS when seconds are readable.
**2:19**
